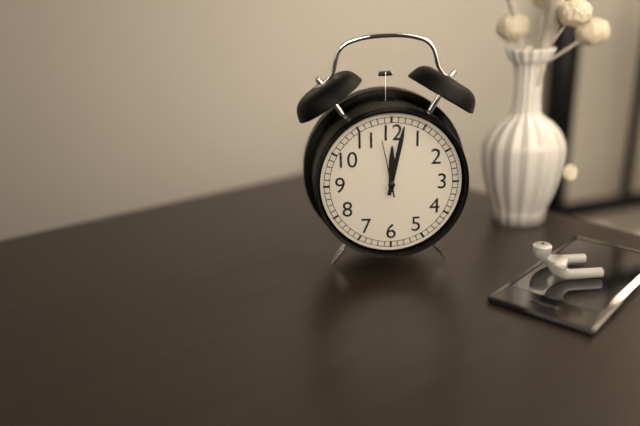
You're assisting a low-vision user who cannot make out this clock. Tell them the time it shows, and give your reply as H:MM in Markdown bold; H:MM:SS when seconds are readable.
**12:02:58**
